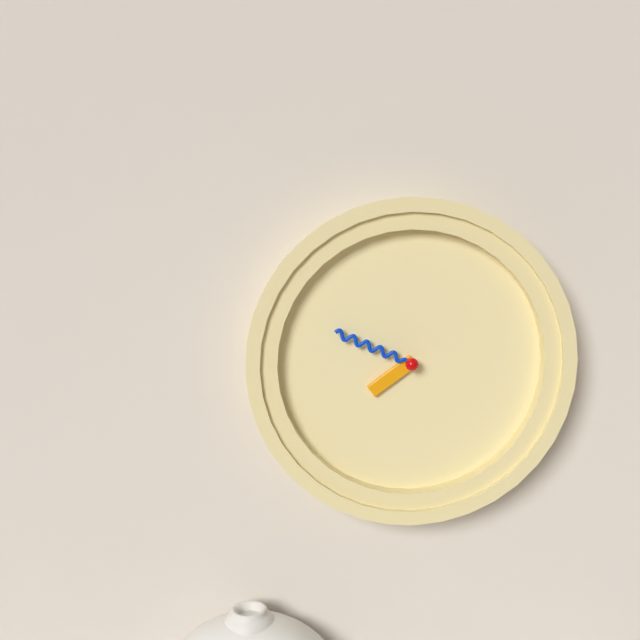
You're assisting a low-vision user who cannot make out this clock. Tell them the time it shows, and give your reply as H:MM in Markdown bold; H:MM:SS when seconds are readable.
**7:49**
